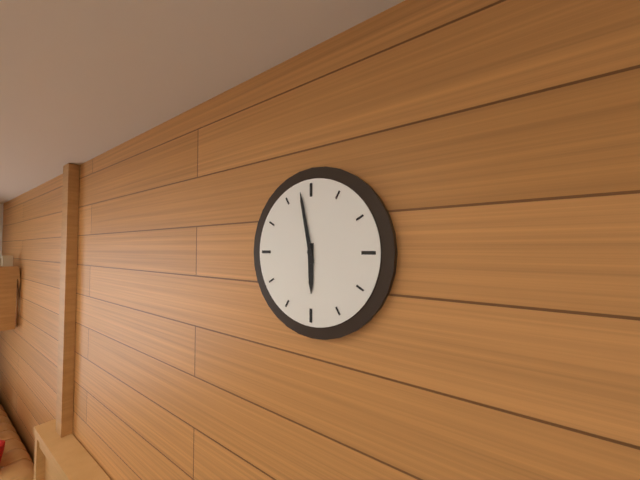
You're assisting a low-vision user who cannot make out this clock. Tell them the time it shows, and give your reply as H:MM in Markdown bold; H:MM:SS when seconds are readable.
**5:58**
